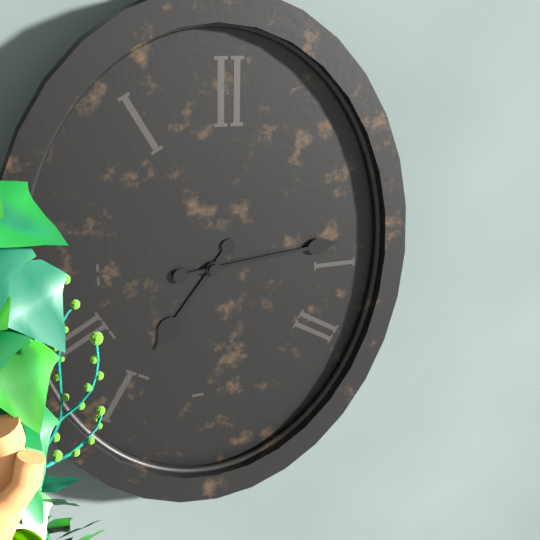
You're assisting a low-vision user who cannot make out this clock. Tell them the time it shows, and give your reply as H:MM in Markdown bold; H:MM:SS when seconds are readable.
**7:14**
